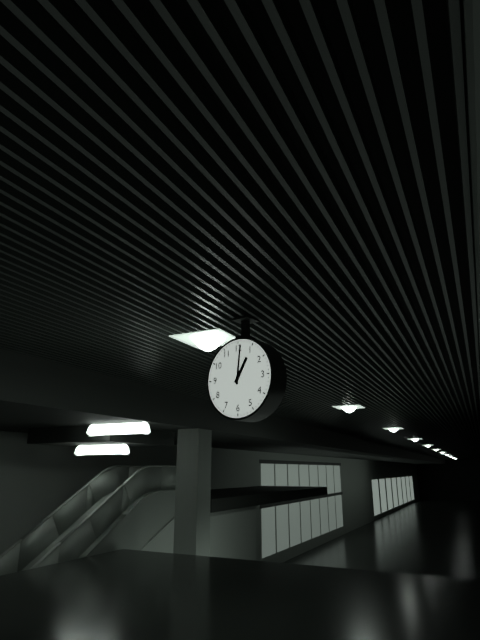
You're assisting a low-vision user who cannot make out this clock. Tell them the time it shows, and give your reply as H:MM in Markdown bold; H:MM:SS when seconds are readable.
**1:01**
